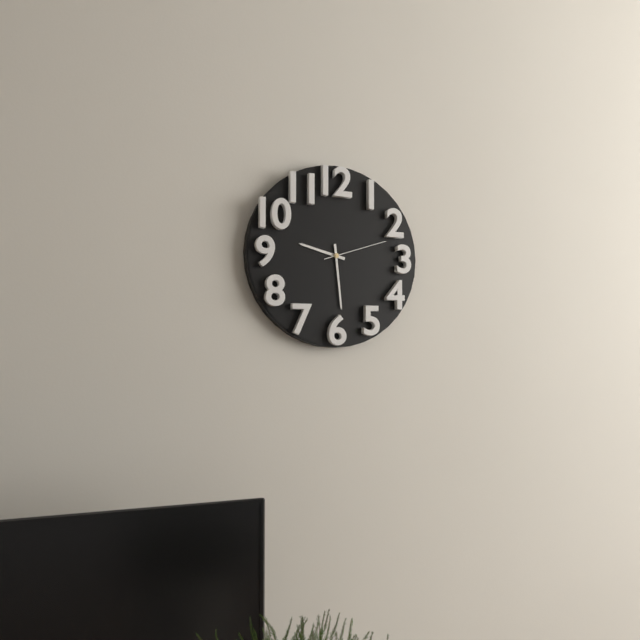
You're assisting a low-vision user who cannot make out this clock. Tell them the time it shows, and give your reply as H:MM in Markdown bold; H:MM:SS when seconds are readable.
**9:29:12**
